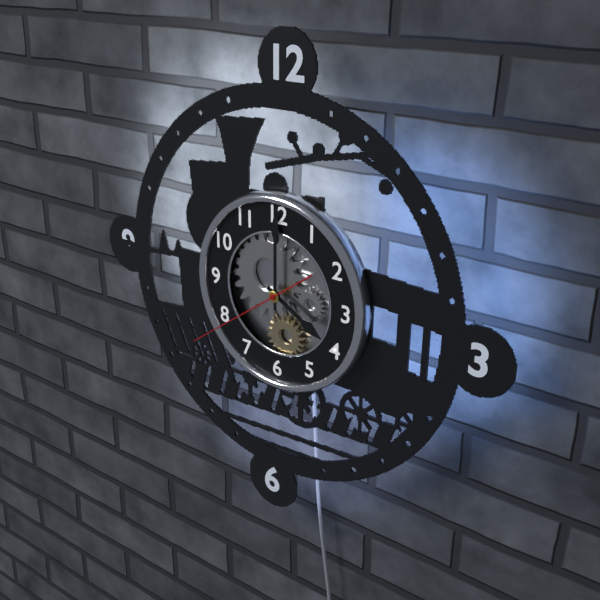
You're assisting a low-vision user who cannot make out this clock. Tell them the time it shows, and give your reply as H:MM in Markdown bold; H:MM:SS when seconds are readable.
**4:00:39**
